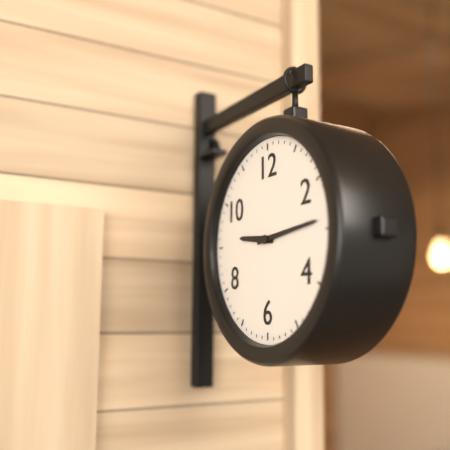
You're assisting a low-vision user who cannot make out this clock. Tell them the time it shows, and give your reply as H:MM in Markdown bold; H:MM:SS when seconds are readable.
**9:14**
